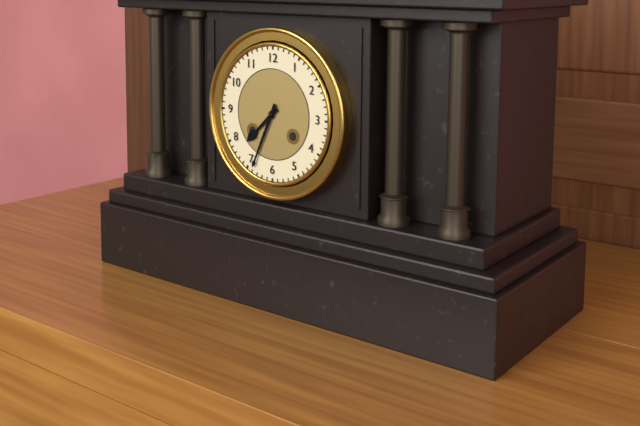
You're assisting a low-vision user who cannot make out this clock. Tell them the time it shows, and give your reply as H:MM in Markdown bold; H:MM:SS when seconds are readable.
**7:34**
